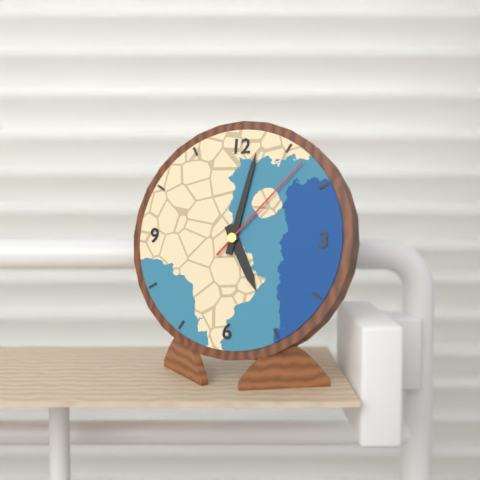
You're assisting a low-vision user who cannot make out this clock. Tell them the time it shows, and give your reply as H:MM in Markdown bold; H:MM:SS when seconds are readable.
**5:02:07**
